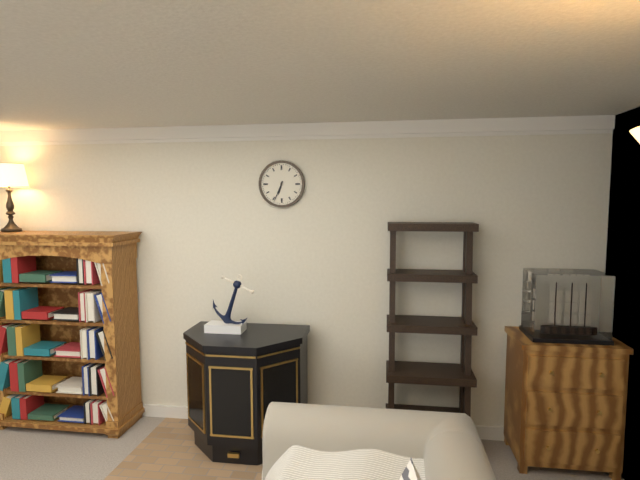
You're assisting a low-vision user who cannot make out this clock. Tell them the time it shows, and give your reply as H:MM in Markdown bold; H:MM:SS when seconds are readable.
**6:34**
